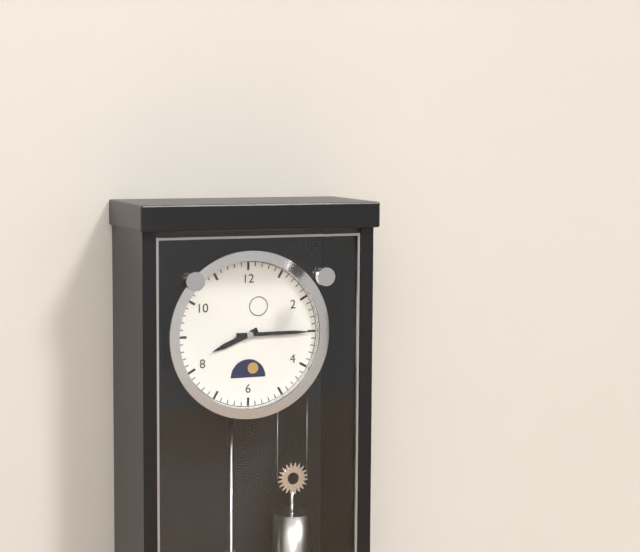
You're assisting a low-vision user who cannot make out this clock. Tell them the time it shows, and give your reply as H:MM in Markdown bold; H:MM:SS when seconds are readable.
**8:15**
